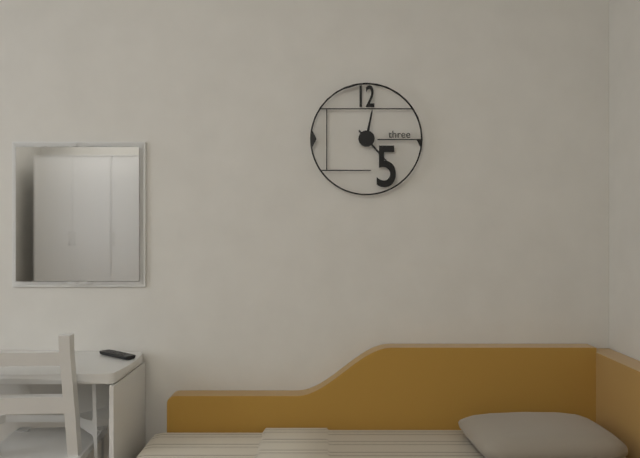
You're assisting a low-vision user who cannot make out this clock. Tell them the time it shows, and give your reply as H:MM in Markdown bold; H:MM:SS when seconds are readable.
**12:23**
